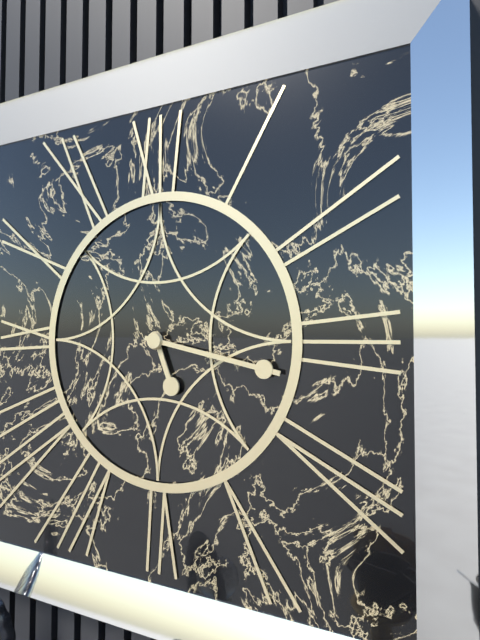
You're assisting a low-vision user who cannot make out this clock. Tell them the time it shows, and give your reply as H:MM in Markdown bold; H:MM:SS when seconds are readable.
**5:17**
